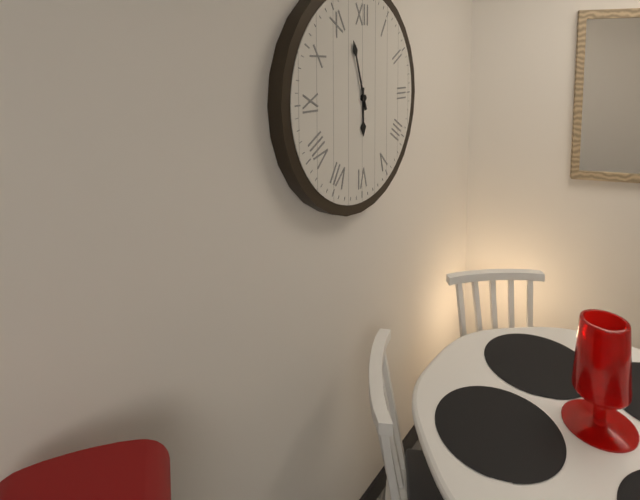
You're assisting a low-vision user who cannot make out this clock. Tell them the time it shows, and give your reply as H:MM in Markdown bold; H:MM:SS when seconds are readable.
**5:57**
